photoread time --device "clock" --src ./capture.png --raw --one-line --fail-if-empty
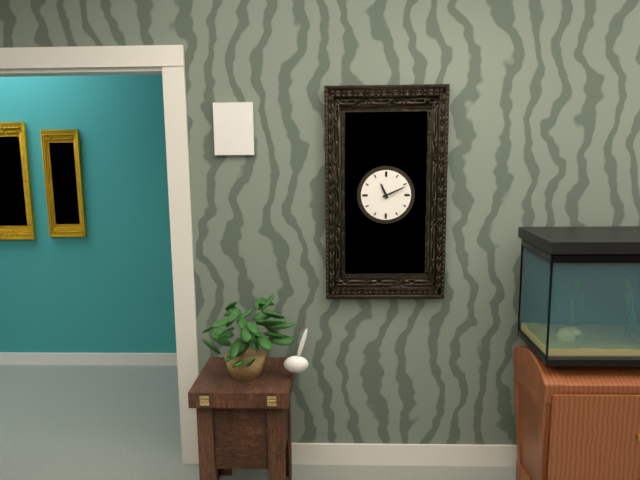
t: 11:11
